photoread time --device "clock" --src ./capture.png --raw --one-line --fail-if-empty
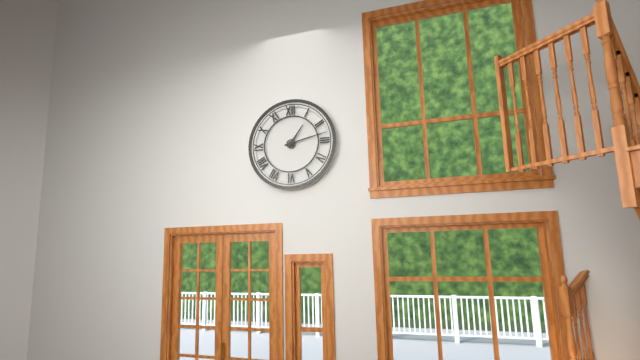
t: 1:13
